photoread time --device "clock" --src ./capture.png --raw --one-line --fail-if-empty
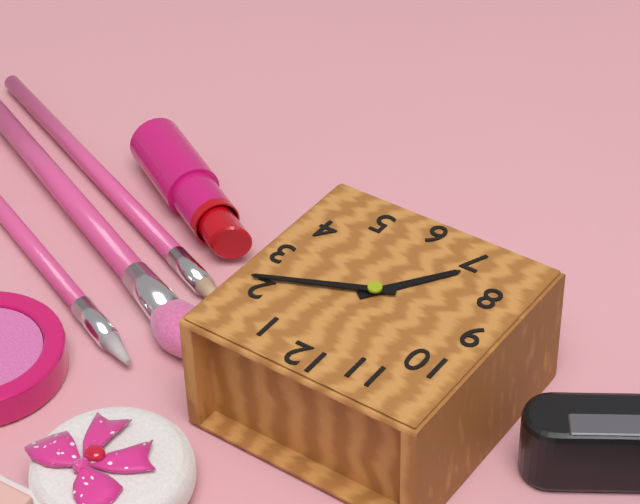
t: 7:11
